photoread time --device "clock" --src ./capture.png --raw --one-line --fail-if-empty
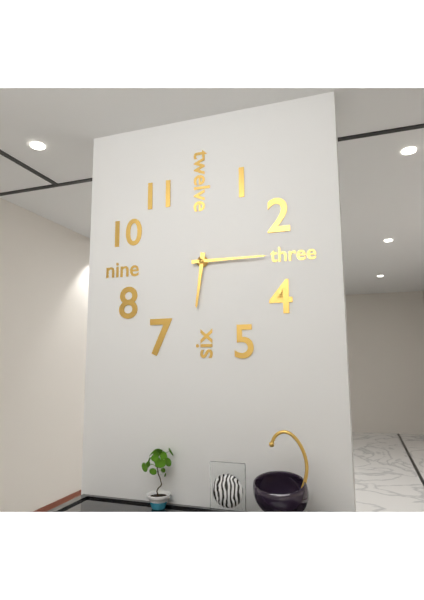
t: 6:15
